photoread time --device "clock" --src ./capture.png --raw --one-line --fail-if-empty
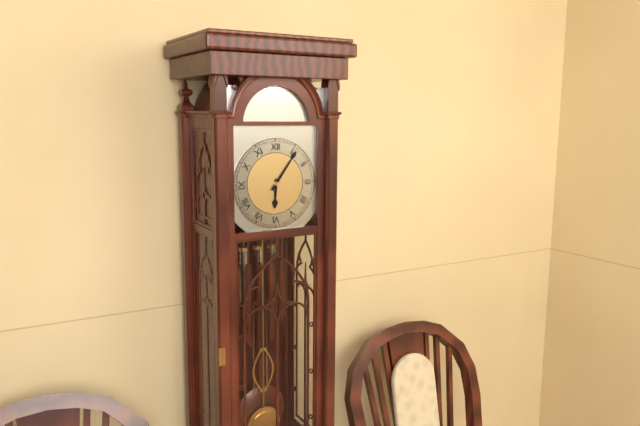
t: 6:06
